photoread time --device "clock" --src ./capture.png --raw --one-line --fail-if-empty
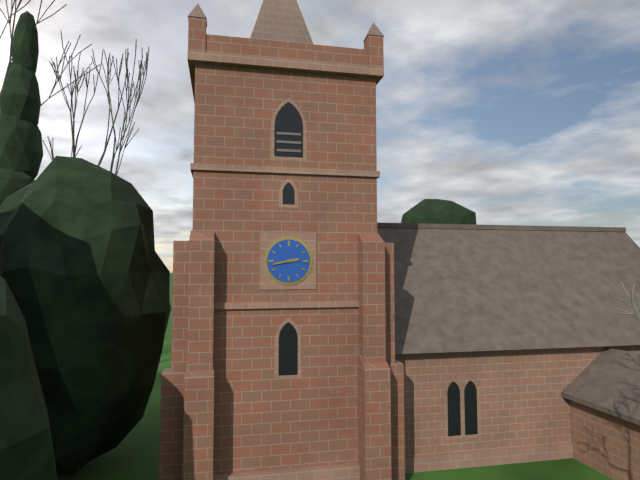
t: 2:43
